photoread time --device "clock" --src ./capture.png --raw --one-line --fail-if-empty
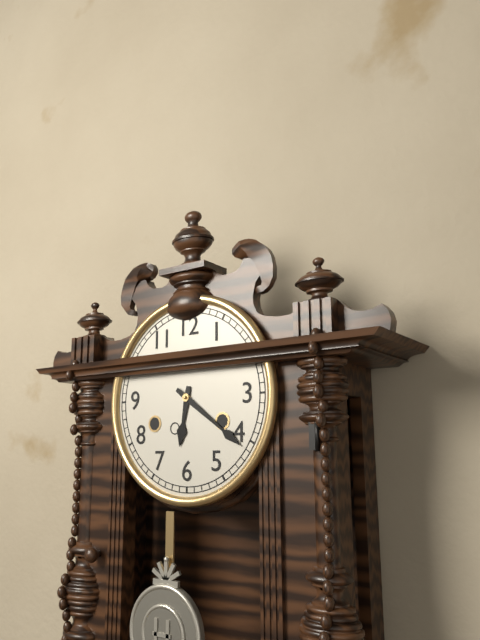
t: 6:21
